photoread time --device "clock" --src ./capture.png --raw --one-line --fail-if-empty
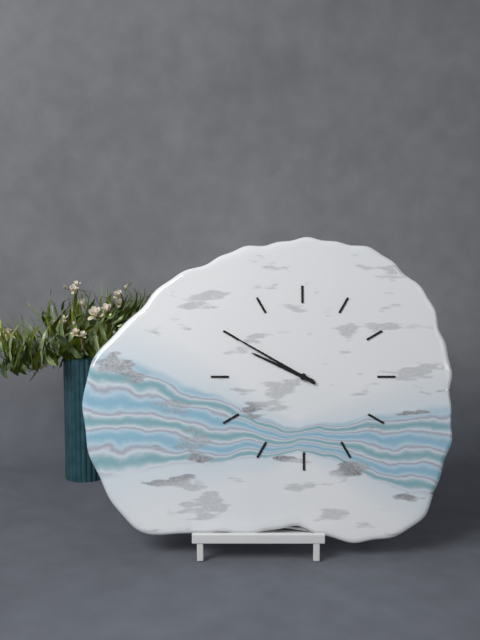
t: 9:50
